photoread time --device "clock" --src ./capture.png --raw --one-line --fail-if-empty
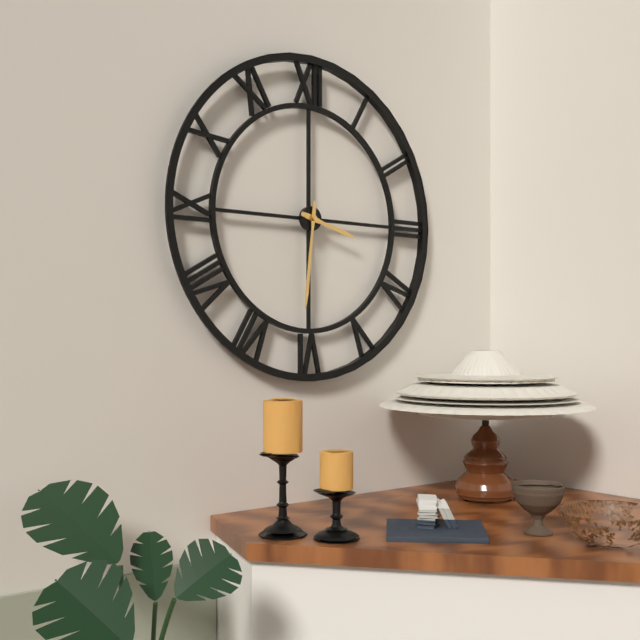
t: 3:31
